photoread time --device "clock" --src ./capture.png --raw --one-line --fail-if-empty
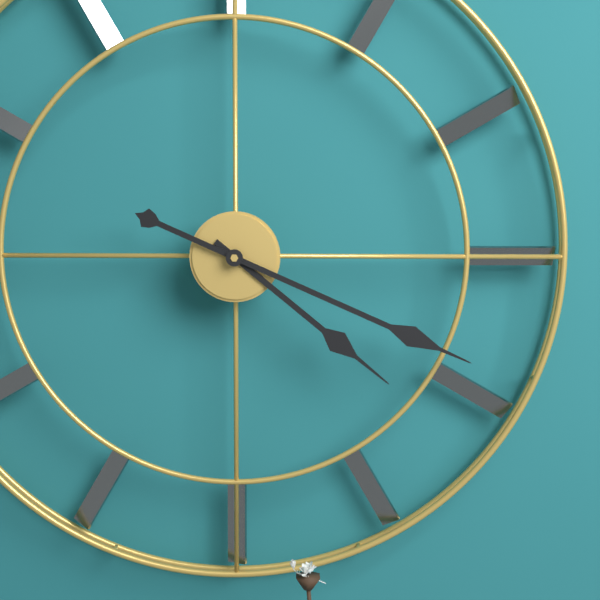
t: 4:19
